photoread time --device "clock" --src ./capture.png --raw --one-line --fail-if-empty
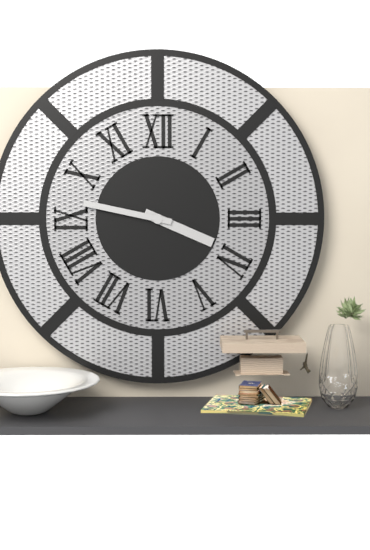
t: 3:47
